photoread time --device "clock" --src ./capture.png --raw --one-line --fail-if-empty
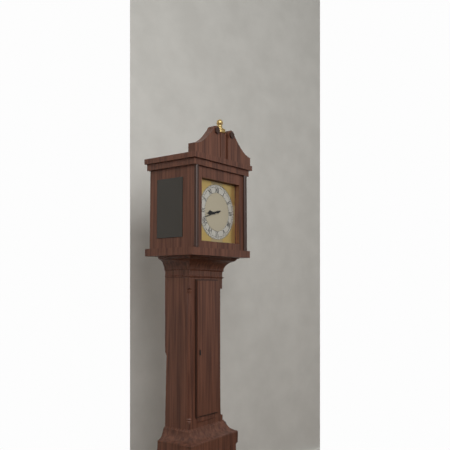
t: 8:42
